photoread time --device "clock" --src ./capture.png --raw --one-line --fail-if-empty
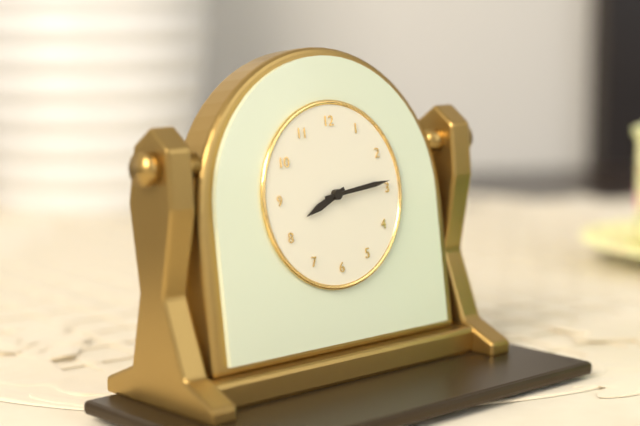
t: 8:14
